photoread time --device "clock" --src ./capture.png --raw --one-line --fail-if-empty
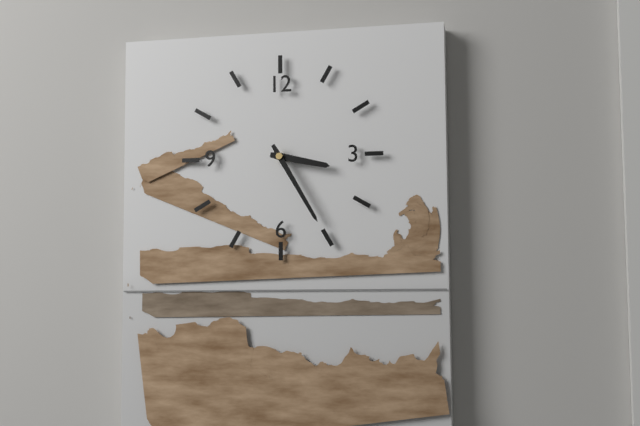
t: 3:25
